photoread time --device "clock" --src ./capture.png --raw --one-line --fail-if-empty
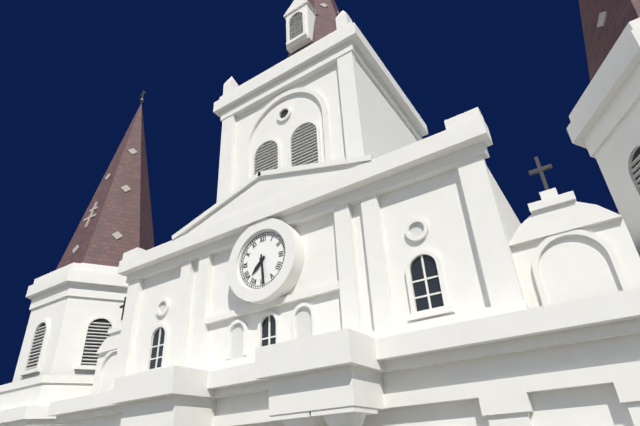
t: 7:29
